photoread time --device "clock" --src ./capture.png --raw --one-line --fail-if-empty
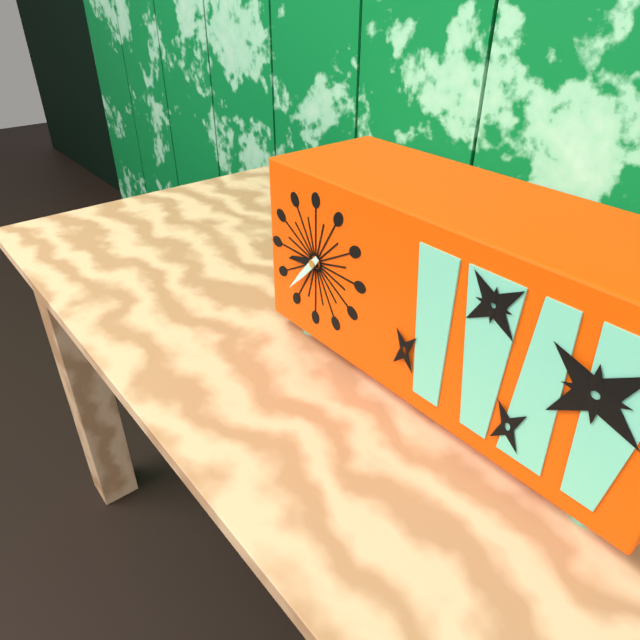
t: 8:37
